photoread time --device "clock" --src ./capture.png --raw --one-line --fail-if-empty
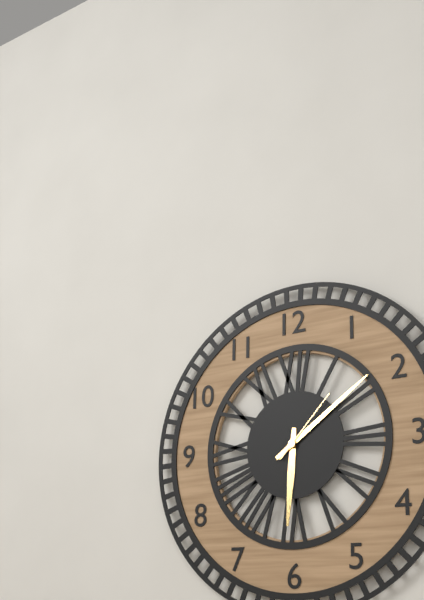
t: 6:09:07
